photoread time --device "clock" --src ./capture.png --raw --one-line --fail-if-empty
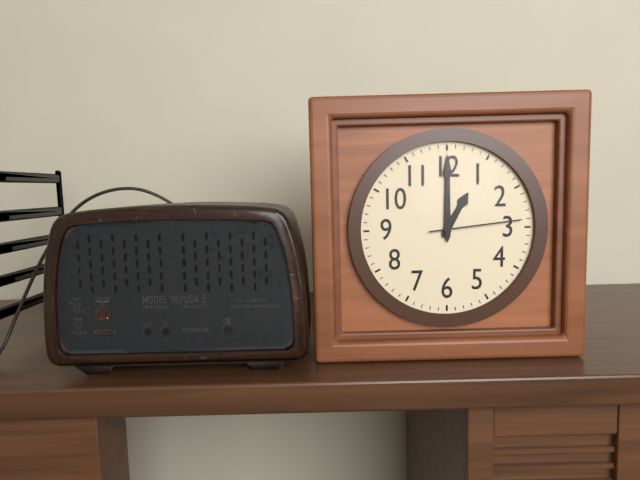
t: 1:00:14
